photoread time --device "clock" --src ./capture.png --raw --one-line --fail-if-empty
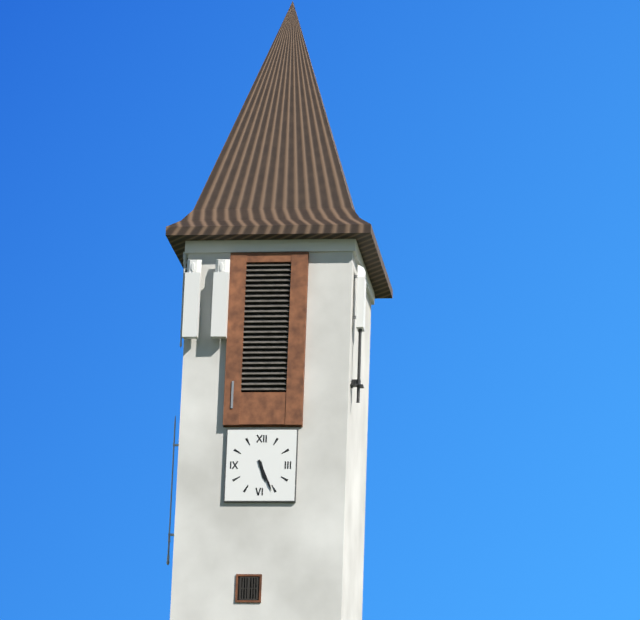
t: 5:26
